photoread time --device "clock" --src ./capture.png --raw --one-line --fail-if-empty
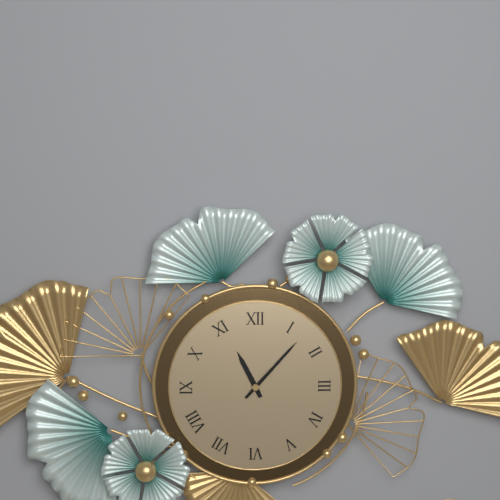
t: 11:07
